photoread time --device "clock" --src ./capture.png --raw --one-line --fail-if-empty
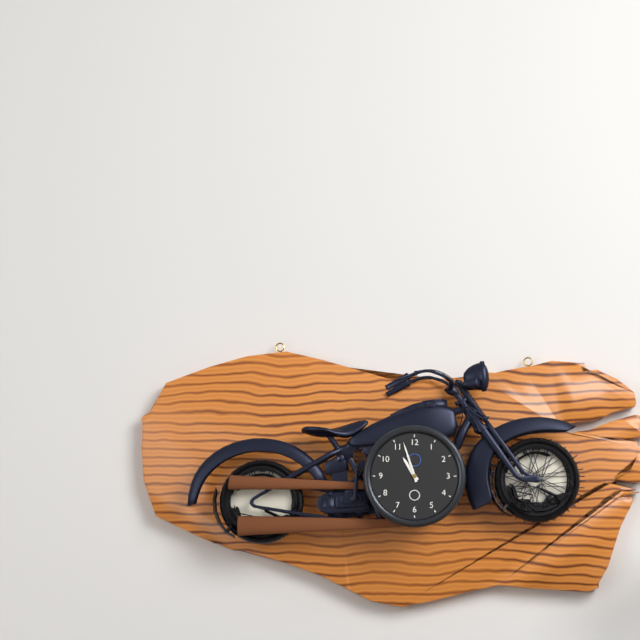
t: 10:57
